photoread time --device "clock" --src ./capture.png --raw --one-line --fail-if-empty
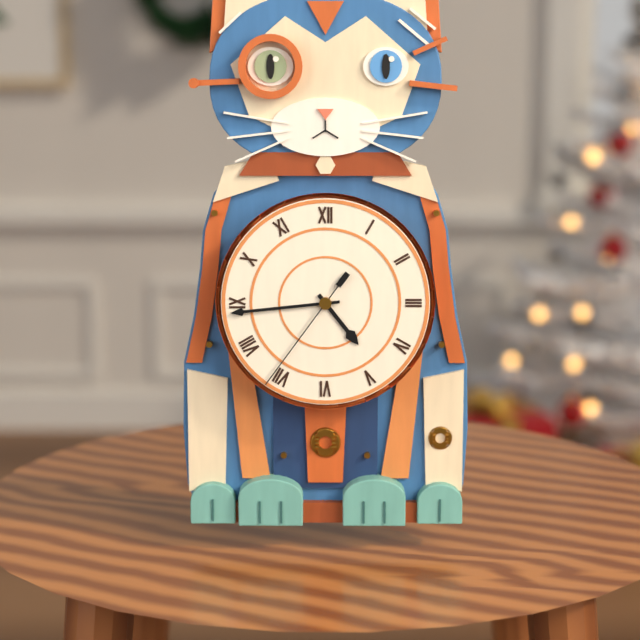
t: 4:44:36
